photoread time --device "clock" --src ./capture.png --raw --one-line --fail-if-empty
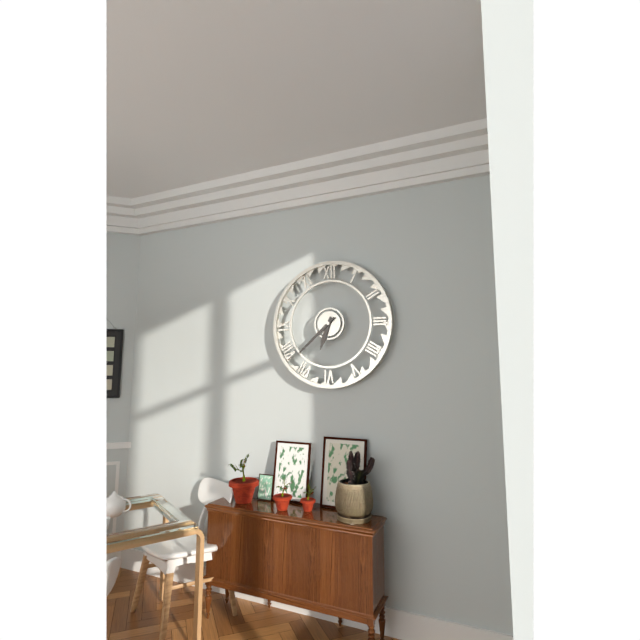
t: 6:38
